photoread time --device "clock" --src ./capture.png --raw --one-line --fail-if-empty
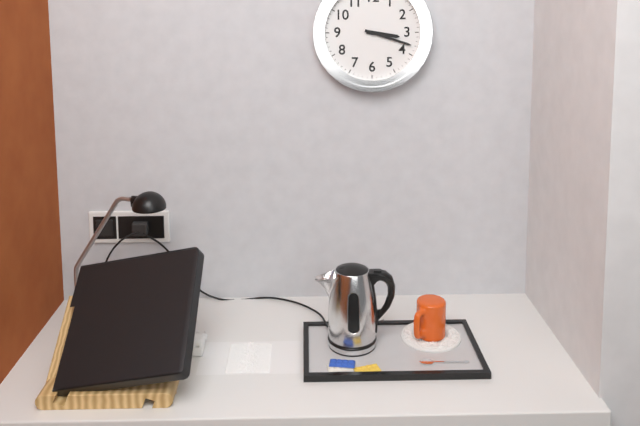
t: 3:18
